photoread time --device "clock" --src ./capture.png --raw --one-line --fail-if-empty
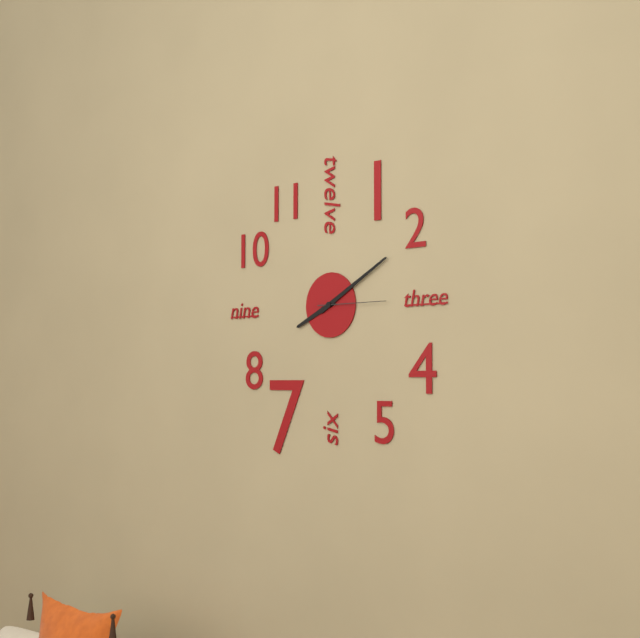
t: 8:10:15
